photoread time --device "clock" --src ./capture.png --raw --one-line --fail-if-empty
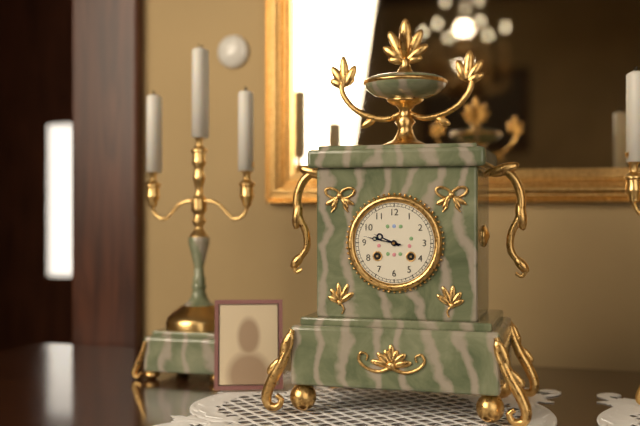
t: 9:47
